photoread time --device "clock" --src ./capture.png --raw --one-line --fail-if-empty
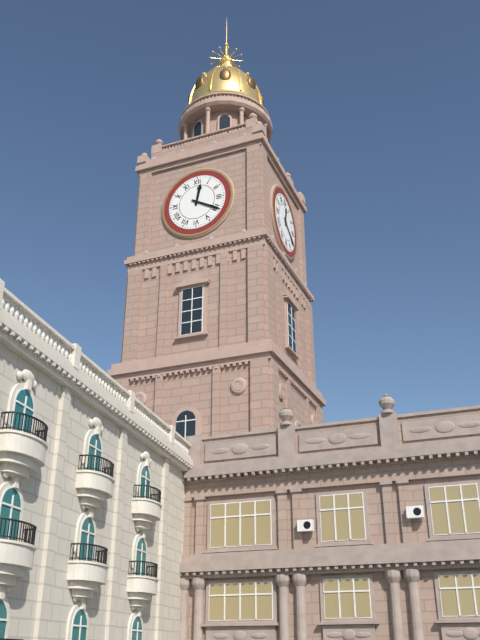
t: 12:20
